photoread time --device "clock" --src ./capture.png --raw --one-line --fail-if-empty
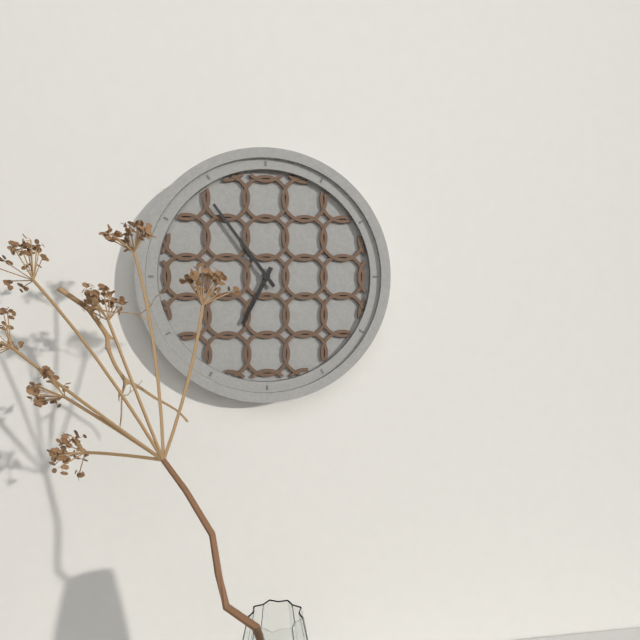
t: 6:54
